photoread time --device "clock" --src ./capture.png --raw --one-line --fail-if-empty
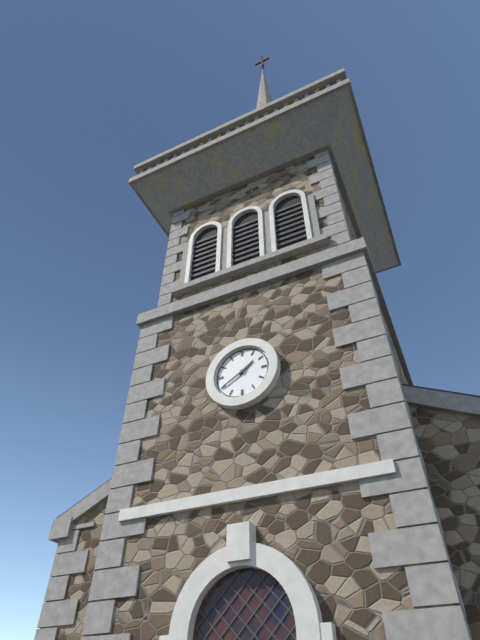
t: 1:40
